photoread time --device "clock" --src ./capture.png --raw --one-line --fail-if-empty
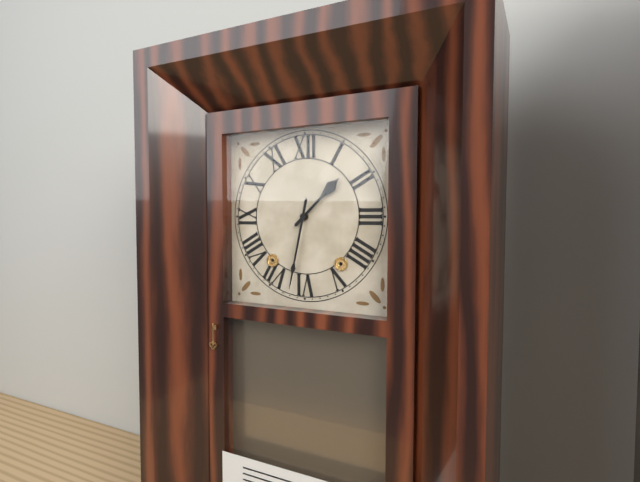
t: 1:32
